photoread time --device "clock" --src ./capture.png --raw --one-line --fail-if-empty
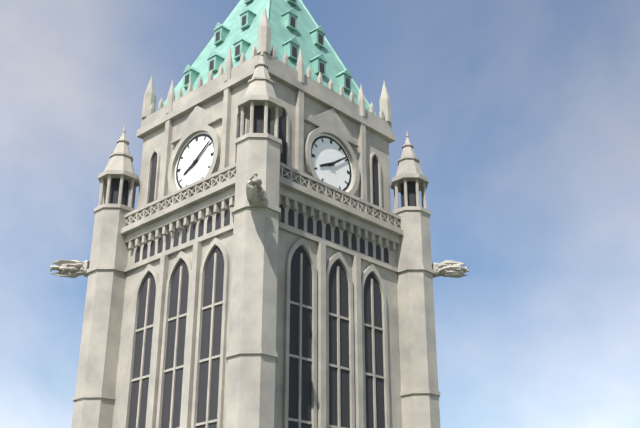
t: 8:09
